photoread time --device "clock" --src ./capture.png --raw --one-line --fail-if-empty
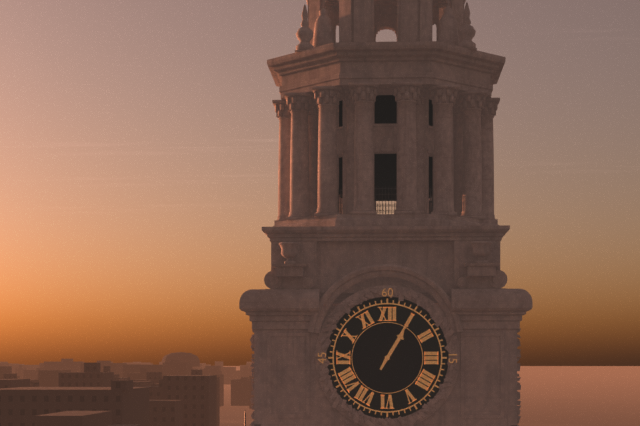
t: 1:05
